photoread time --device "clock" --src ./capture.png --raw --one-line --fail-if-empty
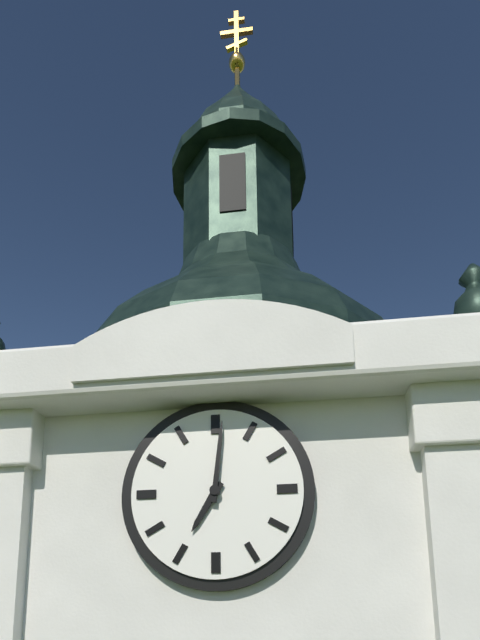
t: 7:01
